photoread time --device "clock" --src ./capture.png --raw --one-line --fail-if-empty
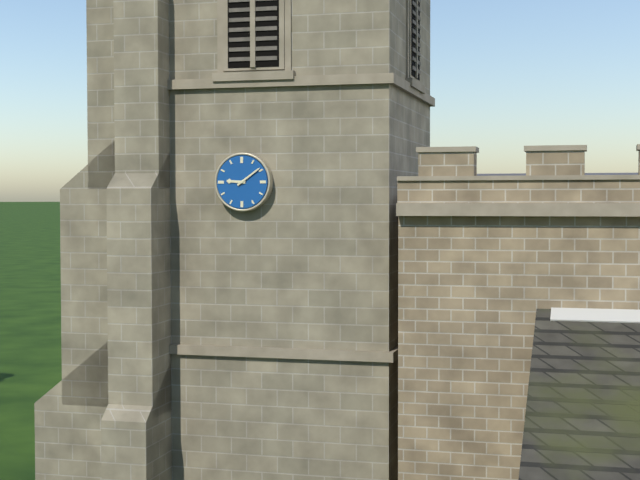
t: 9:09
